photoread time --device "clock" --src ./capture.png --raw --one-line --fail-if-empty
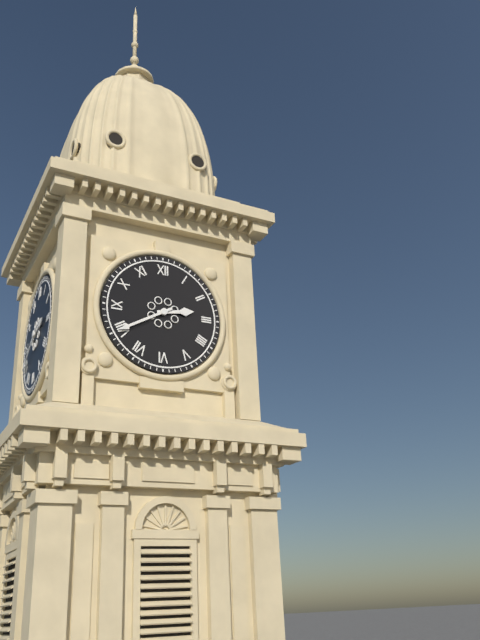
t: 2:40
